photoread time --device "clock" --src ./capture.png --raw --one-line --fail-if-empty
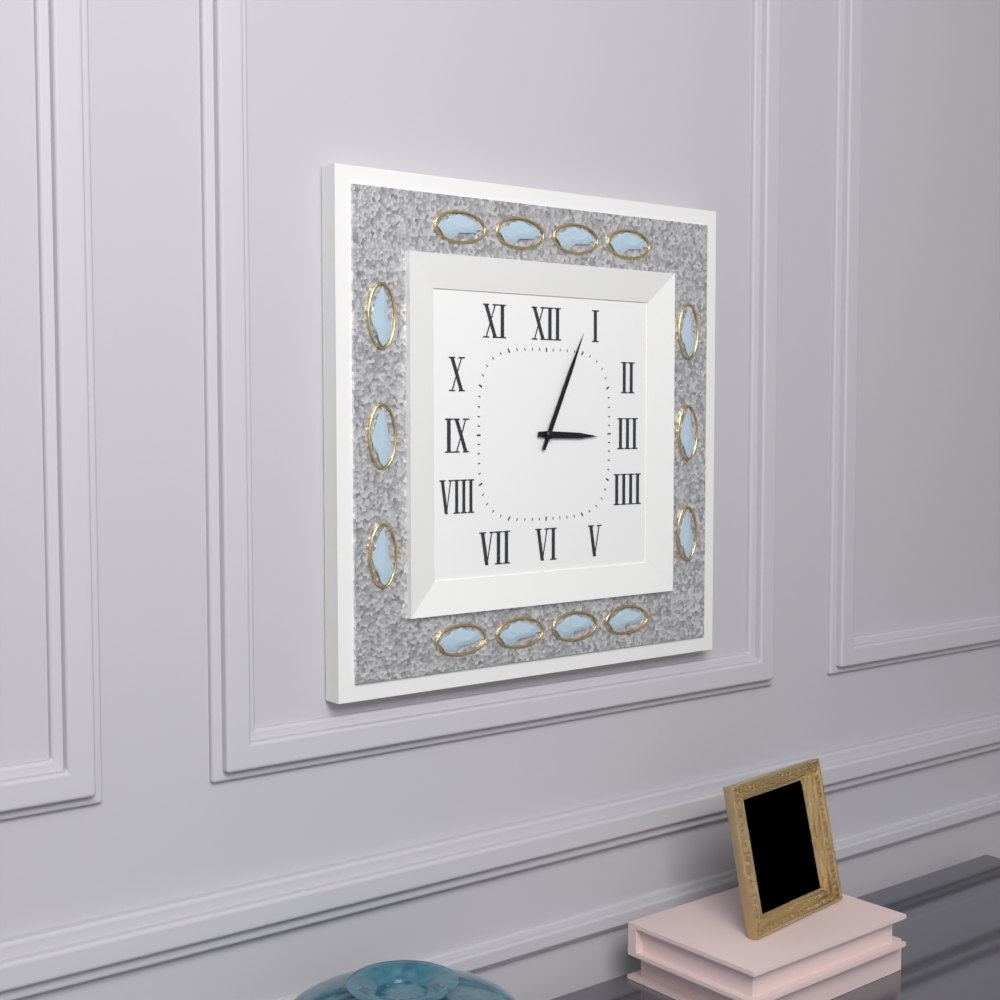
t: 3:04
